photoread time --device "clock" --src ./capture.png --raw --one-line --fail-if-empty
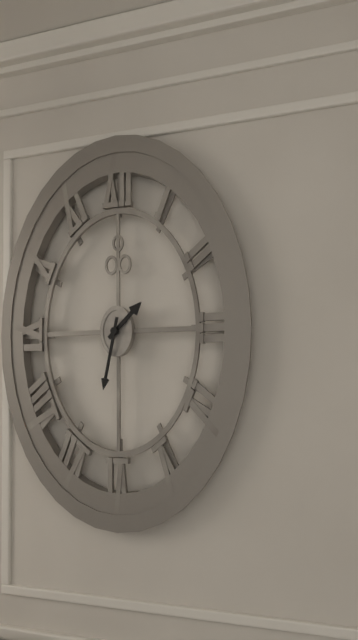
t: 1:32
